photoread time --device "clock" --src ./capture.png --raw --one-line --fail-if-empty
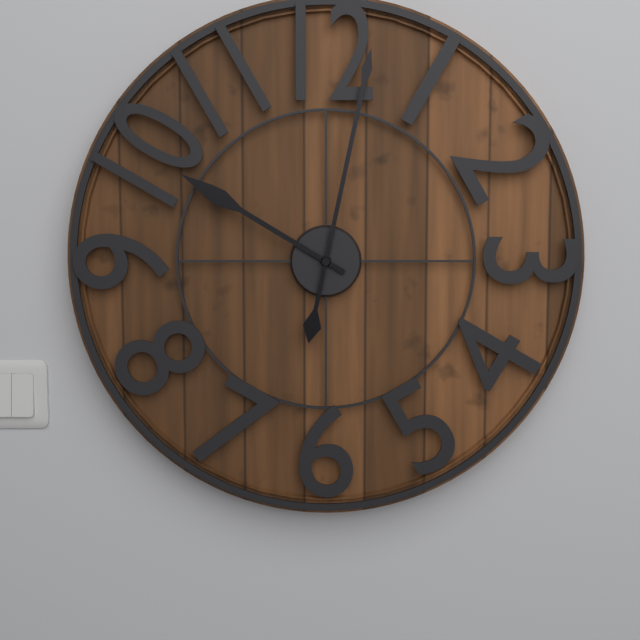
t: 10:02
